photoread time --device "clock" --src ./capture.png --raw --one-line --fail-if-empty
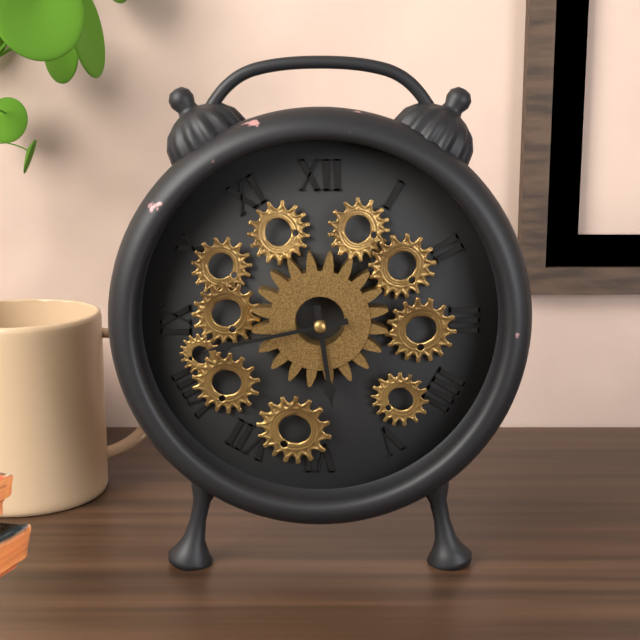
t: 5:43
